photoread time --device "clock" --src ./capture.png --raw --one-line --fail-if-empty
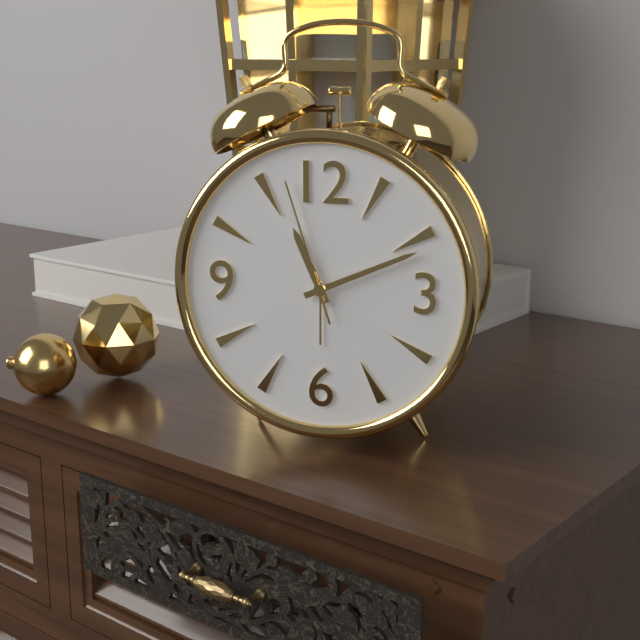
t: 11:11:57
